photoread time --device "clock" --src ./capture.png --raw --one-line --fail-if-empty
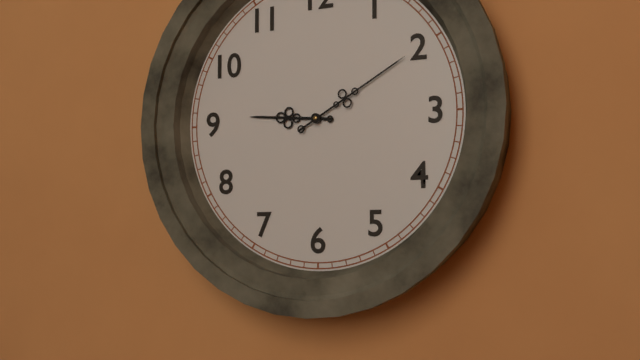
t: 9:10
